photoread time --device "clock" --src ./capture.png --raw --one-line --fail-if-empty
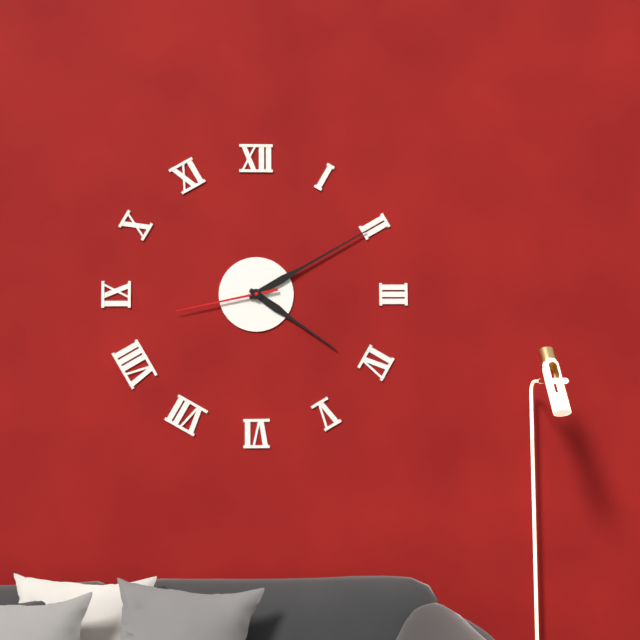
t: 4:10:43
